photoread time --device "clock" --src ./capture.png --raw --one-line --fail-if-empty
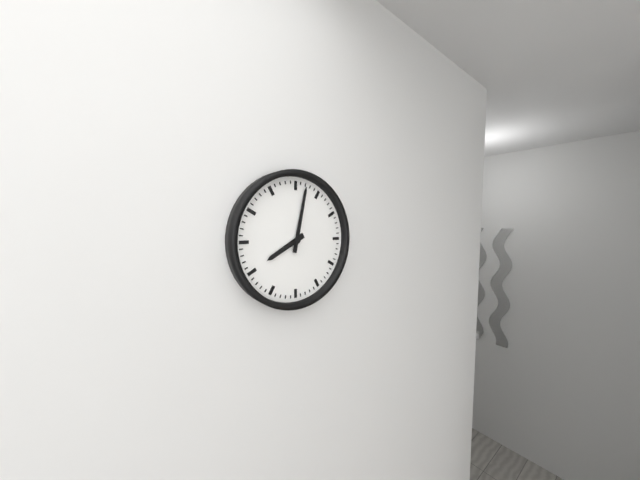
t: 8:02
